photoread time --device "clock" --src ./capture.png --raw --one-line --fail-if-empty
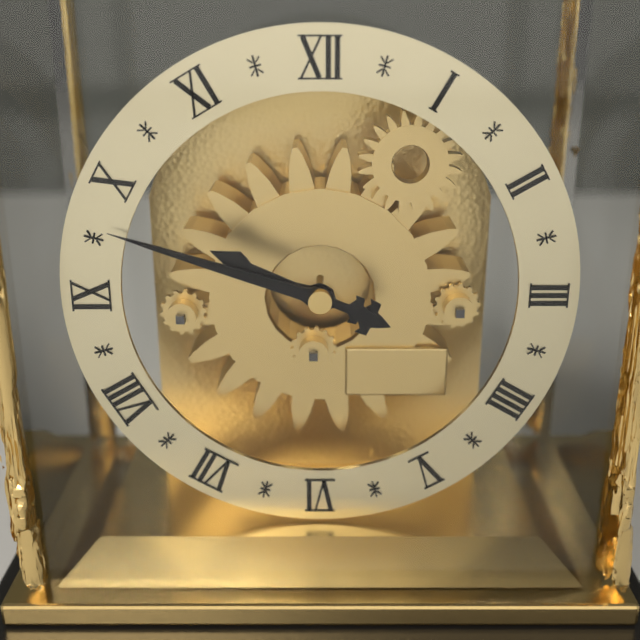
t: 9:48
